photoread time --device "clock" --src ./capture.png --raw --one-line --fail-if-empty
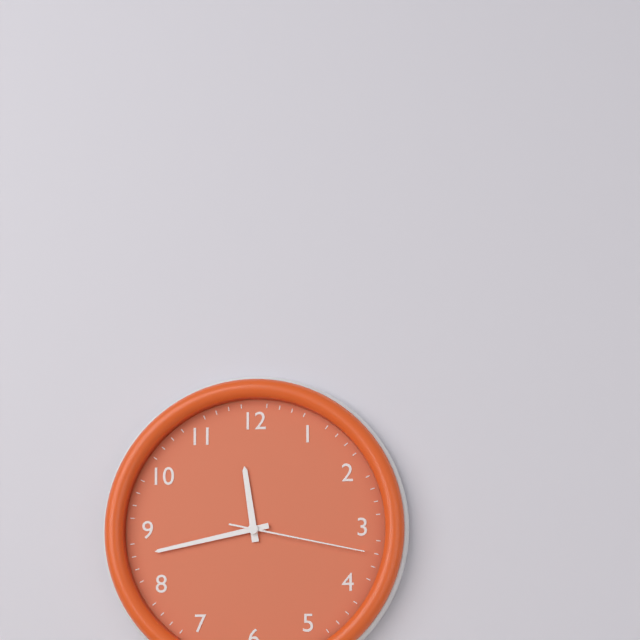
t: 11:43:17
